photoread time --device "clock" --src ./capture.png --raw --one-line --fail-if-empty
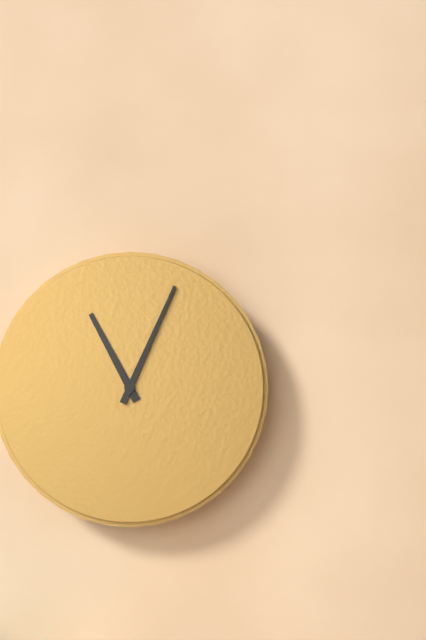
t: 11:04
